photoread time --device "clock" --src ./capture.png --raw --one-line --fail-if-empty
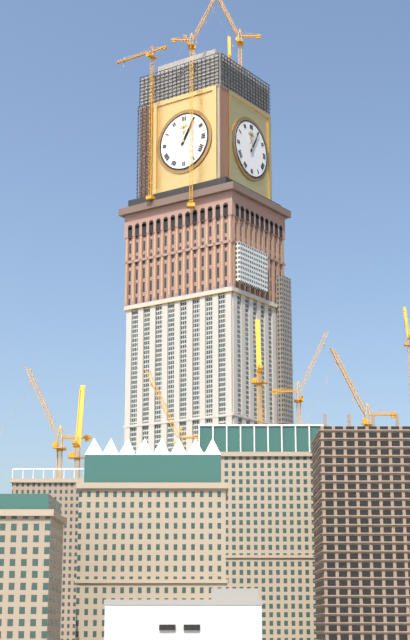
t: 1:05
